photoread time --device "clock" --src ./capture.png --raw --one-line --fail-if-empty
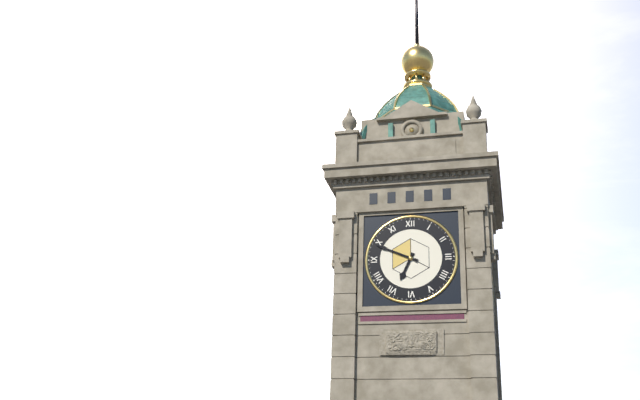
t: 6:49
